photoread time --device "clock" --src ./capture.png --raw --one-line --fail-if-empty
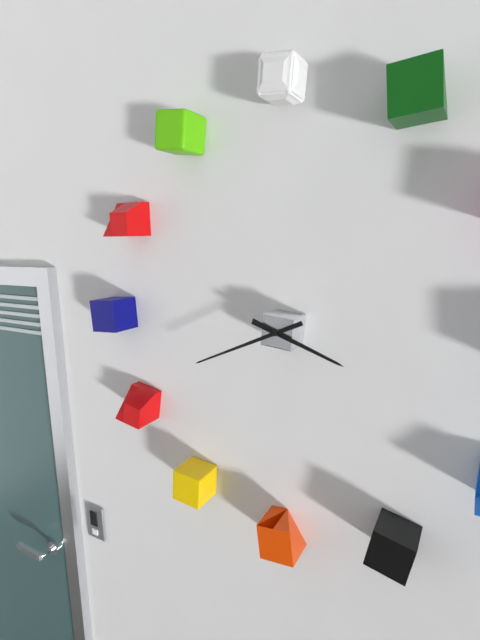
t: 3:41
